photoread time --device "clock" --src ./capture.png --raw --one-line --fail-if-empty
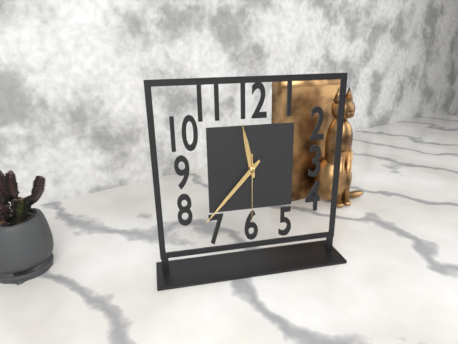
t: 11:37:30
